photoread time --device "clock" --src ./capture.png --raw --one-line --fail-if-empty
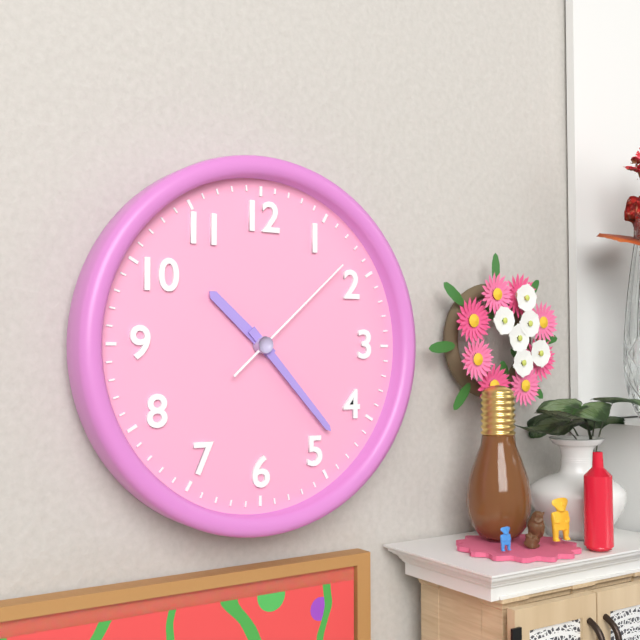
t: 10:23:08
